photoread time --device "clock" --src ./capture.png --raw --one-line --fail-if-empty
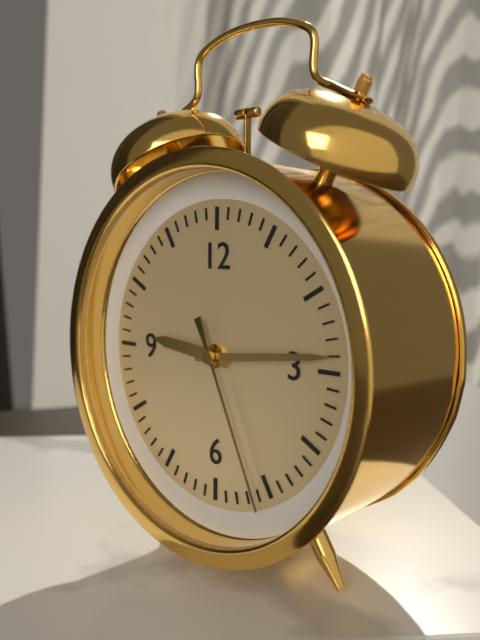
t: 9:14:26
